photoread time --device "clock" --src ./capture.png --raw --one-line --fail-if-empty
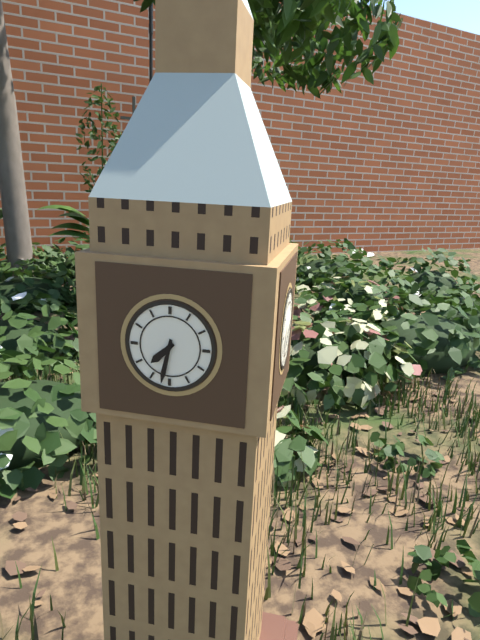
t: 7:32
